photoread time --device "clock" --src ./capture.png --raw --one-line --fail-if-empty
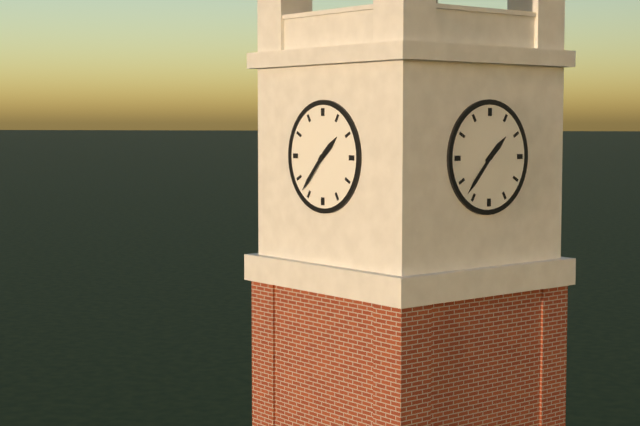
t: 1:37
